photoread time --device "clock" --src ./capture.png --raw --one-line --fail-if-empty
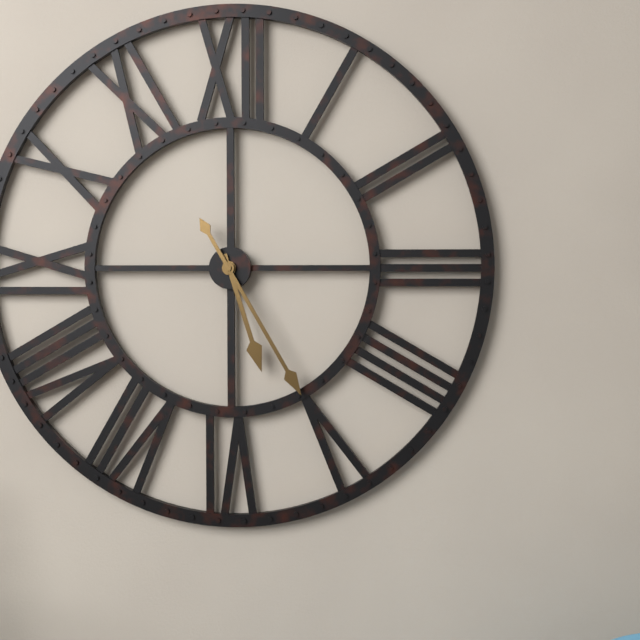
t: 5:25
